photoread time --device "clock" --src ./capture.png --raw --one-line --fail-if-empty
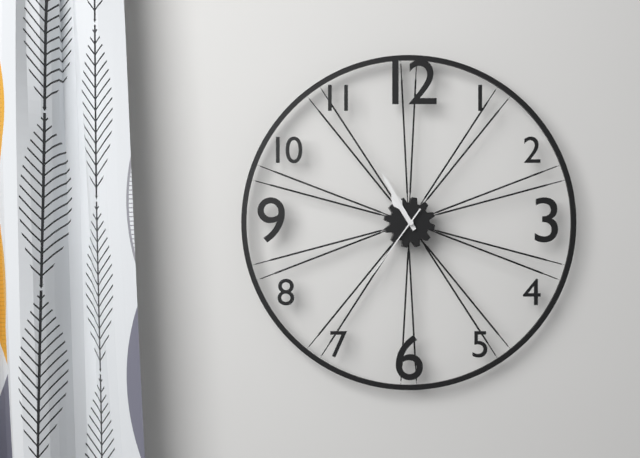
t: 10:55:36
